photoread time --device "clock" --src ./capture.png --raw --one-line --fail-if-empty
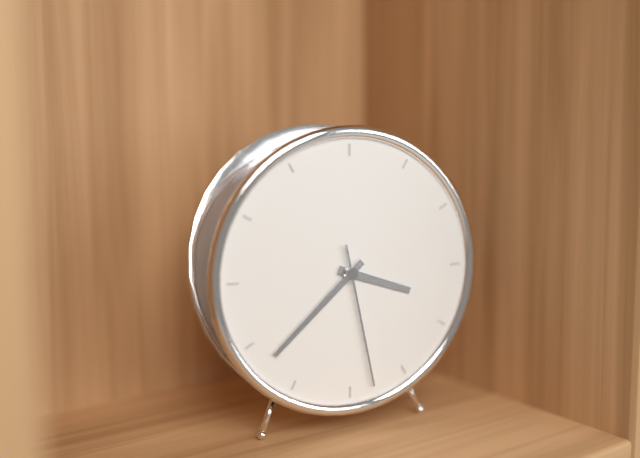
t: 3:38:28
